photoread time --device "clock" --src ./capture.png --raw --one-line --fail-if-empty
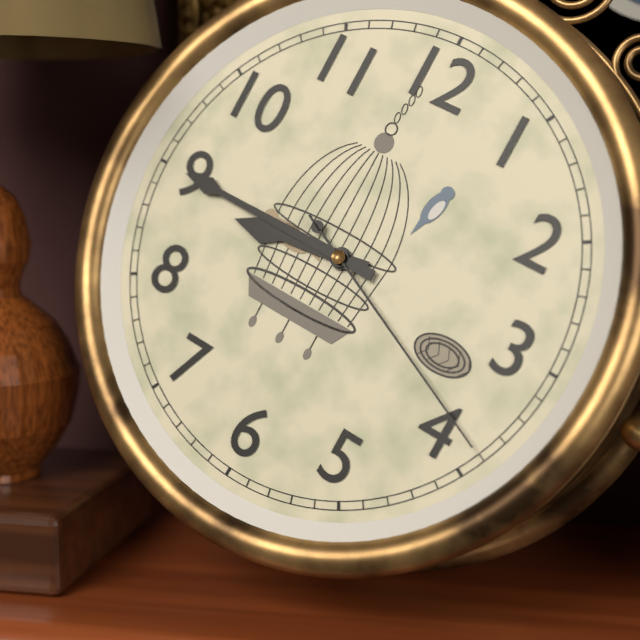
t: 8:45:19
